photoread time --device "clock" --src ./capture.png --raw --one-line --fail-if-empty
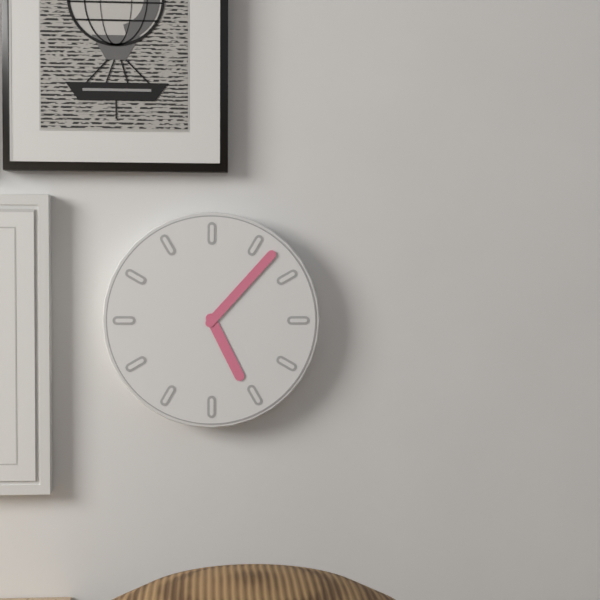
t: 5:07
